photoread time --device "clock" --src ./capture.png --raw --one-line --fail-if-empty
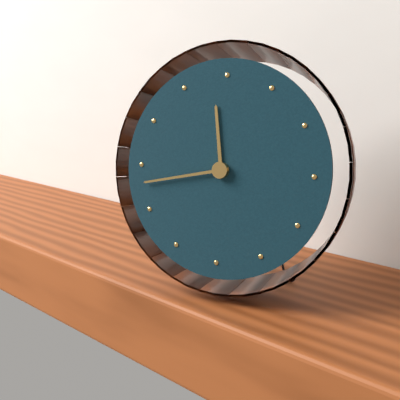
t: 11:43
